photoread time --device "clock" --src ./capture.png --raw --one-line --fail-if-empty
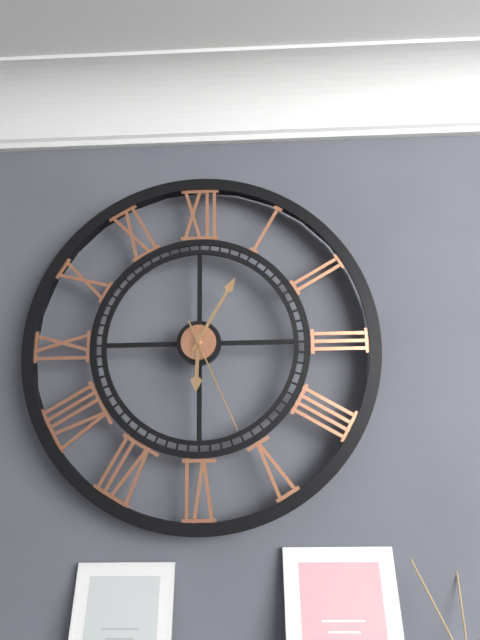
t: 6:05:26
